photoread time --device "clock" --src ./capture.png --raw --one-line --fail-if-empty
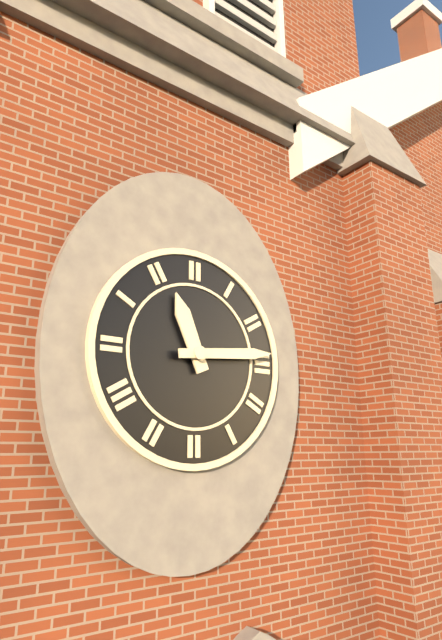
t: 11:14
